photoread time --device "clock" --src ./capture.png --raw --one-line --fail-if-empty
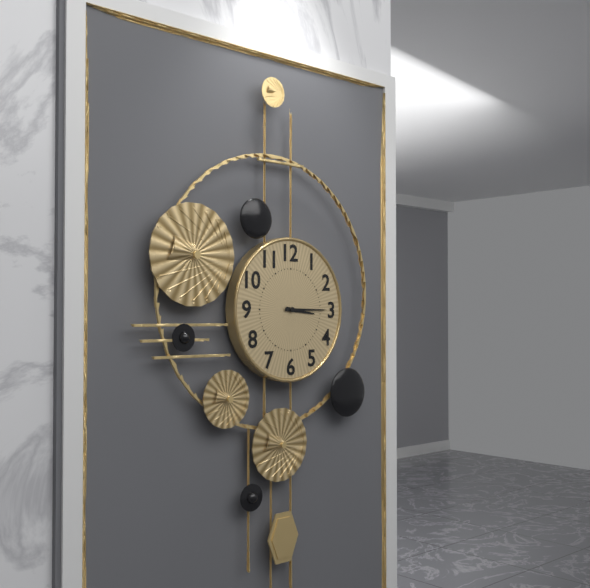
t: 3:15
